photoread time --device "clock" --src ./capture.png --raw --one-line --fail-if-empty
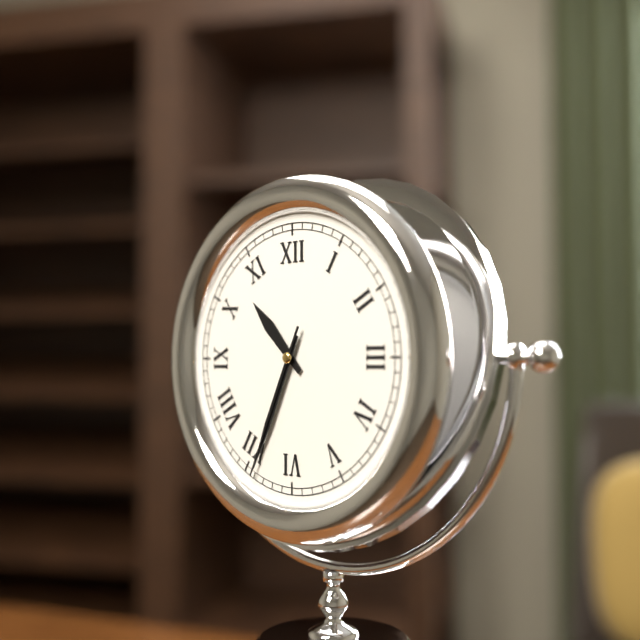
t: 10:34:34
